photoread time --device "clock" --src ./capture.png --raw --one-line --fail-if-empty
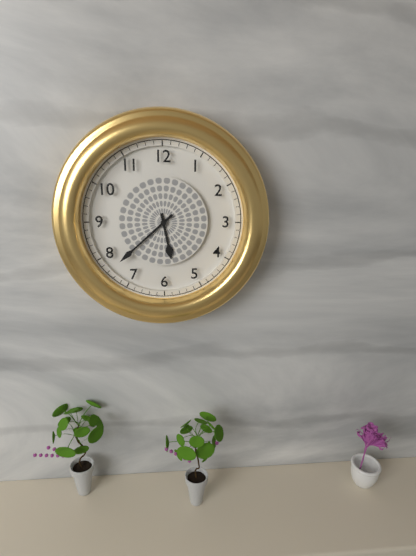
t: 5:38
